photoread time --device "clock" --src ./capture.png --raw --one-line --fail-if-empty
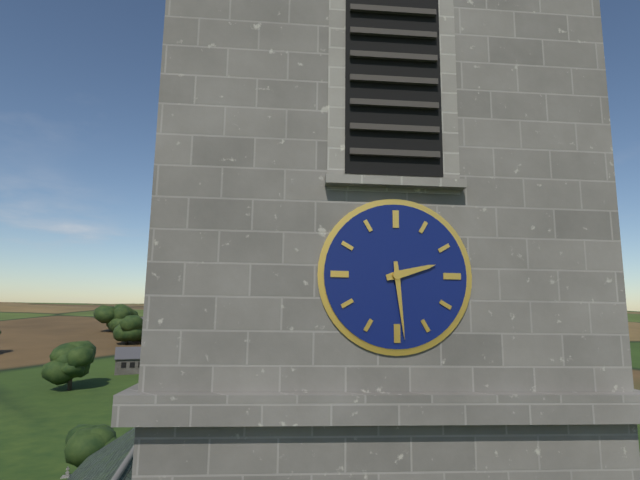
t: 2:29
